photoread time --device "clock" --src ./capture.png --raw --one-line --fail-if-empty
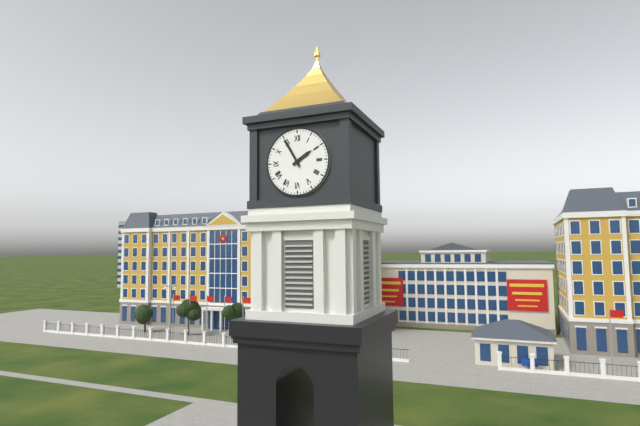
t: 1:55
